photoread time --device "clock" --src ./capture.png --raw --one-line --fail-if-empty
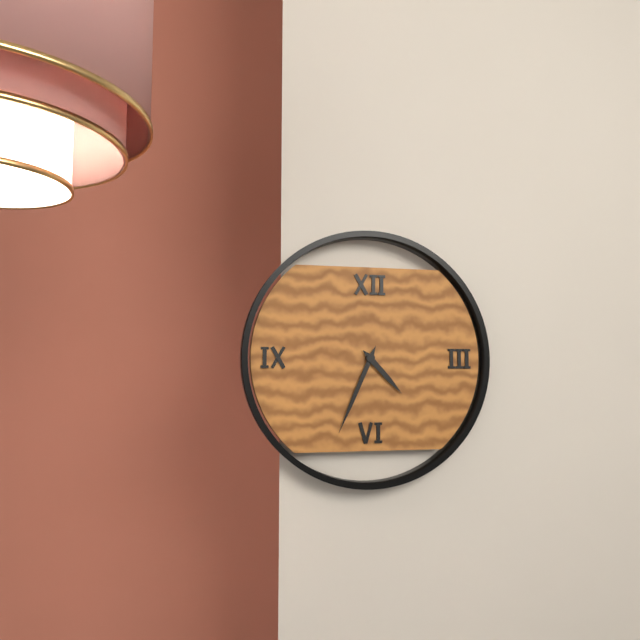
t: 4:34
